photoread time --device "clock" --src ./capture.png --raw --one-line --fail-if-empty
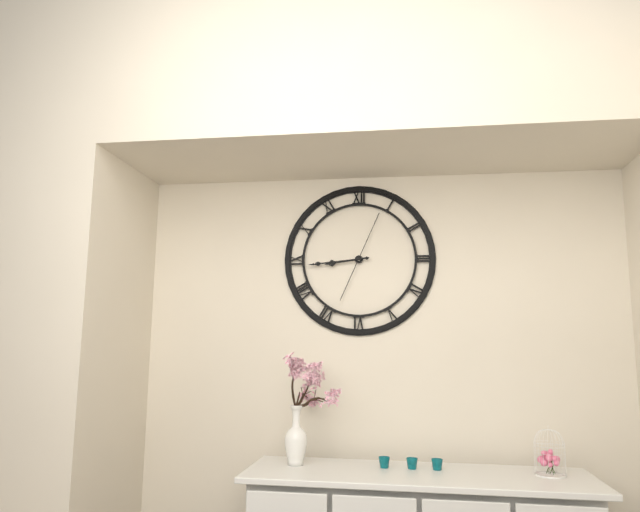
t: 8:44:04
